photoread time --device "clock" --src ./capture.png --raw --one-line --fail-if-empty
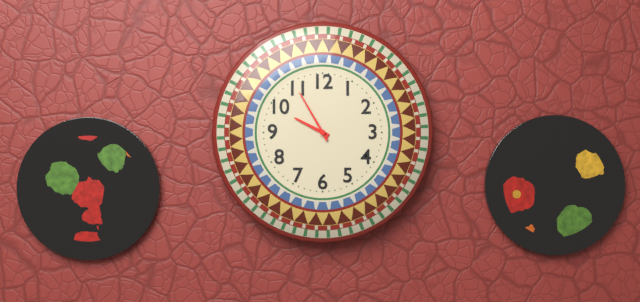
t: 9:55
